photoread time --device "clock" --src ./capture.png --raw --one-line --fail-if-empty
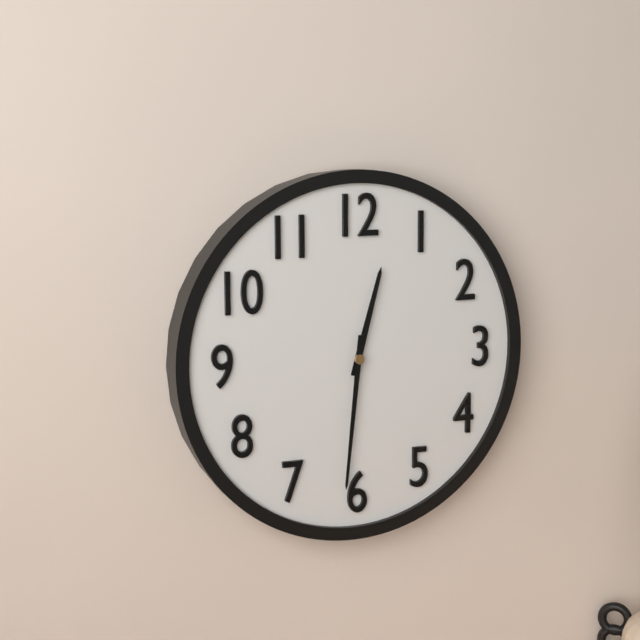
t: 12:31
